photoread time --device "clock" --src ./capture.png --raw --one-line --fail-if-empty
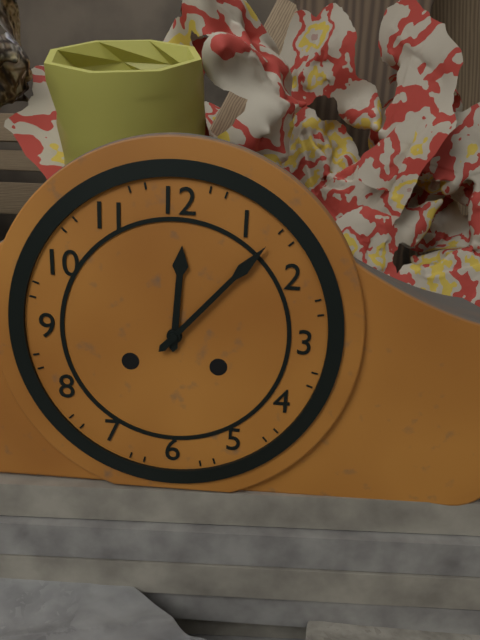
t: 12:07
